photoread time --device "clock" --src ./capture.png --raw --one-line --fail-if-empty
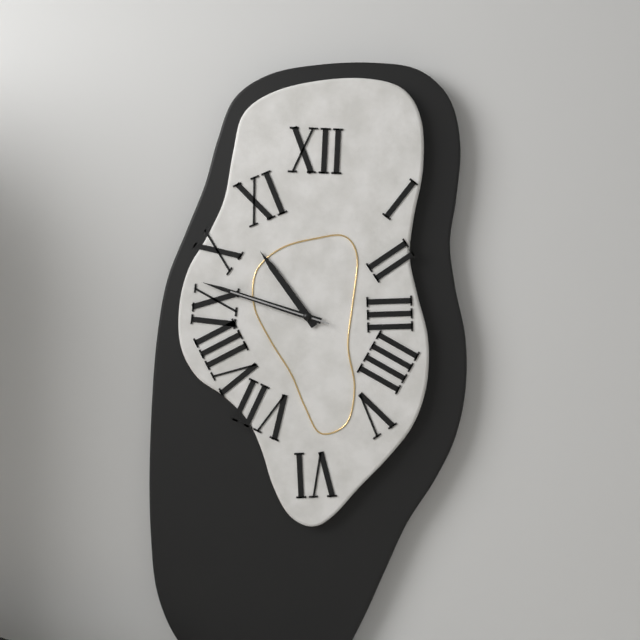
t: 10:48:48
